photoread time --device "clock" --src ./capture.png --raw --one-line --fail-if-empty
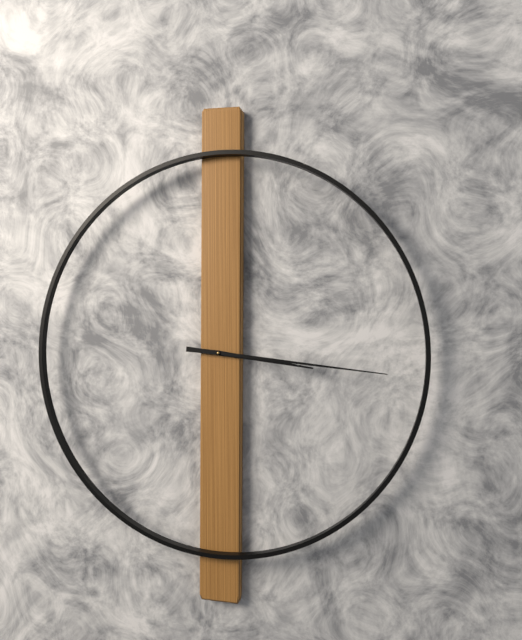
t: 3:16
